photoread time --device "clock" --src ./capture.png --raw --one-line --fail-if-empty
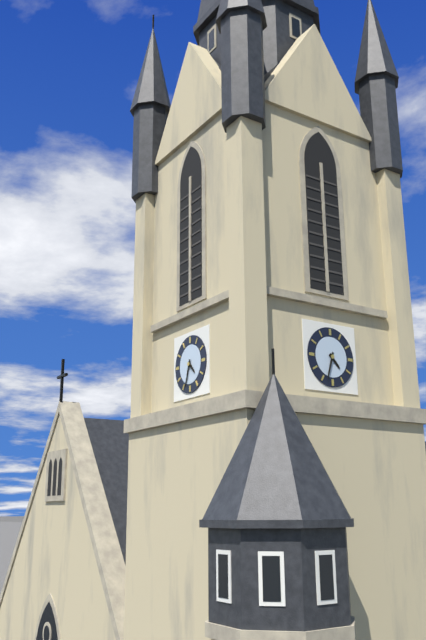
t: 4:33
